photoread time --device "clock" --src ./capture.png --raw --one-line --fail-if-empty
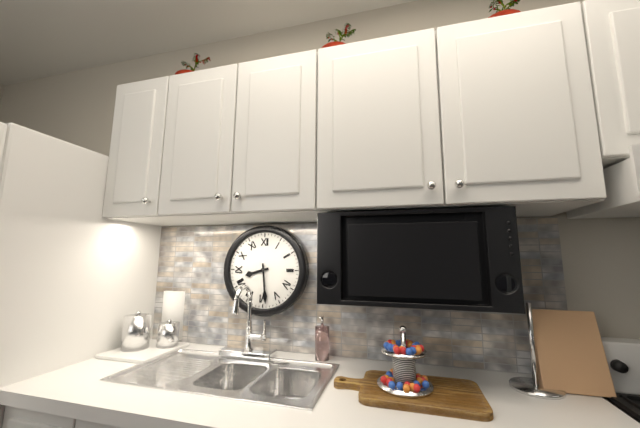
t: 8:29
